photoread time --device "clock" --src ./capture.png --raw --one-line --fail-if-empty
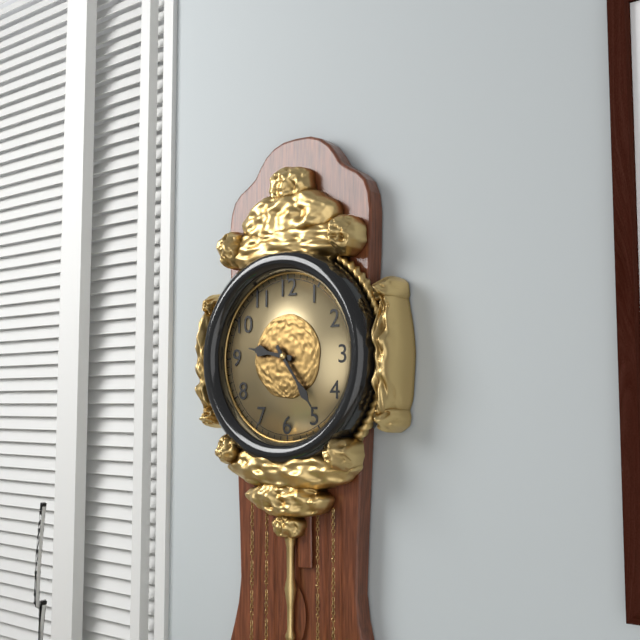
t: 9:24
